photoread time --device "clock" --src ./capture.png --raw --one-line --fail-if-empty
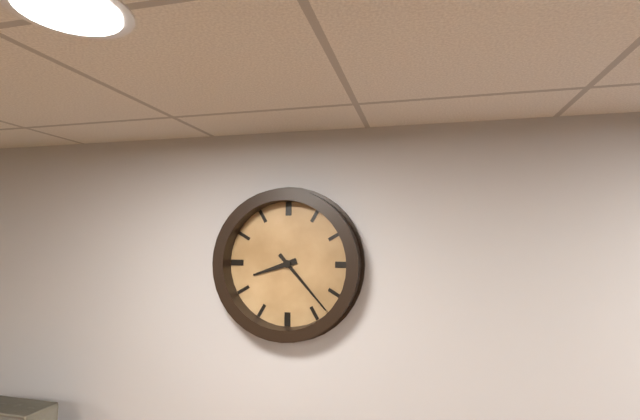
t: 8:23
